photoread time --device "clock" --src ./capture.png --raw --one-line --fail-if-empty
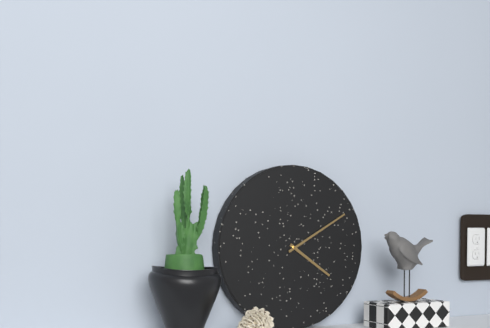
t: 4:10
